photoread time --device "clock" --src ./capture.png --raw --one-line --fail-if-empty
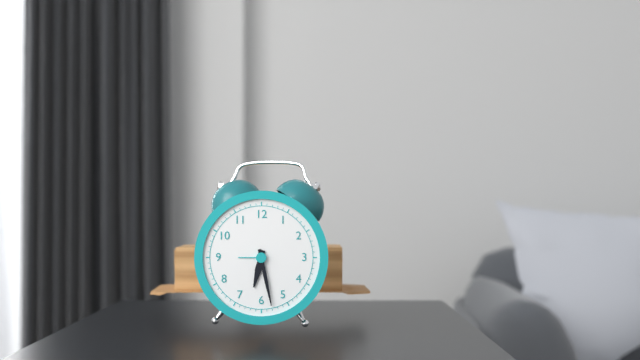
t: 6:28
